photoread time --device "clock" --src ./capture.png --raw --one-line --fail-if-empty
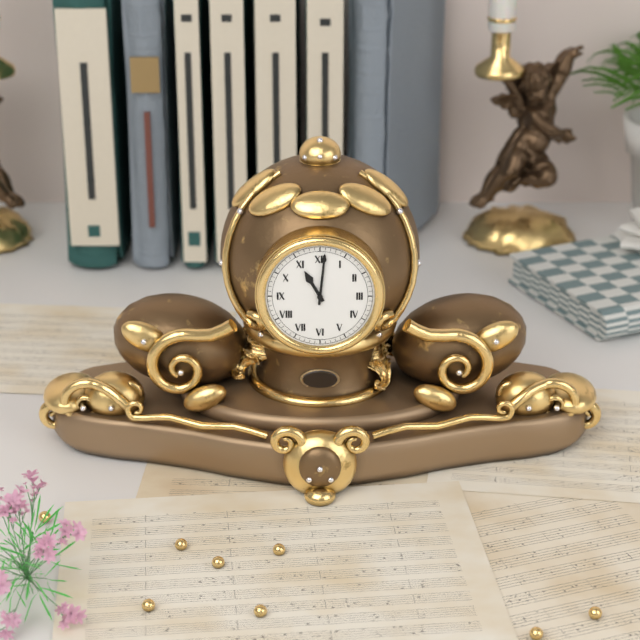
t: 11:01
